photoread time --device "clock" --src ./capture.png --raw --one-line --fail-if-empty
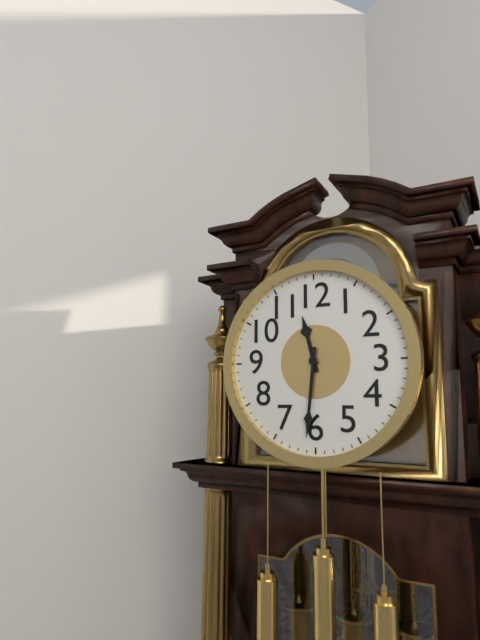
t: 11:31
